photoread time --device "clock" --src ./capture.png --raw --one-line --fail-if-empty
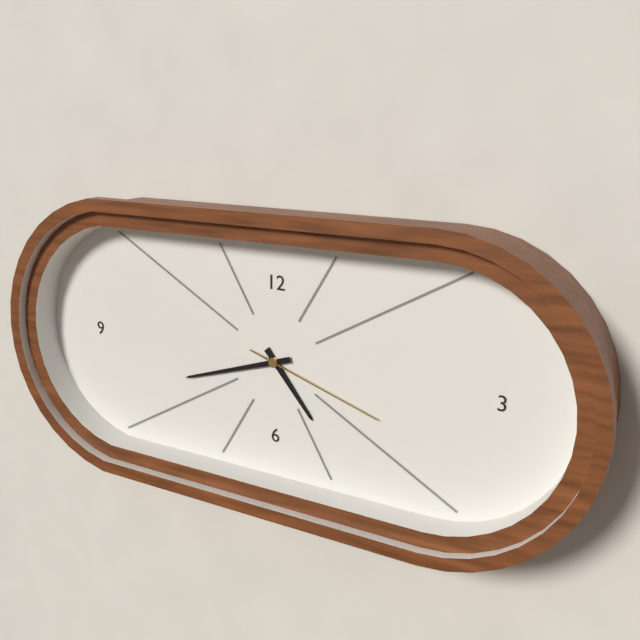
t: 4:42:18
